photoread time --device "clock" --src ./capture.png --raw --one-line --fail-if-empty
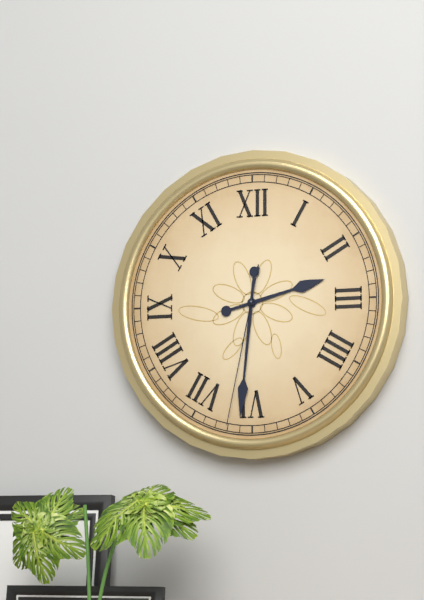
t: 2:31:32
